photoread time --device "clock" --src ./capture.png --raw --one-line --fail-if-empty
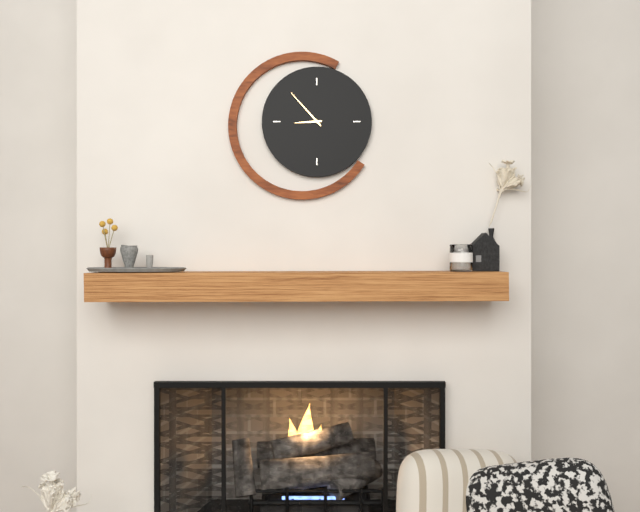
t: 8:53
